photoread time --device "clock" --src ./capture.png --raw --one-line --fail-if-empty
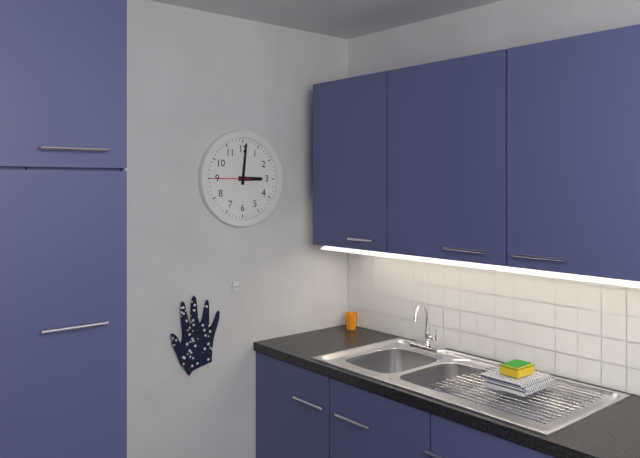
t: 3:01
